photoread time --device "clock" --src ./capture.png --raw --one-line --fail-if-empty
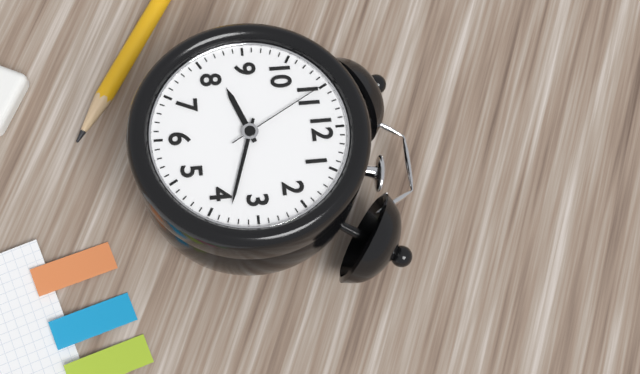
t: 8:18:55
